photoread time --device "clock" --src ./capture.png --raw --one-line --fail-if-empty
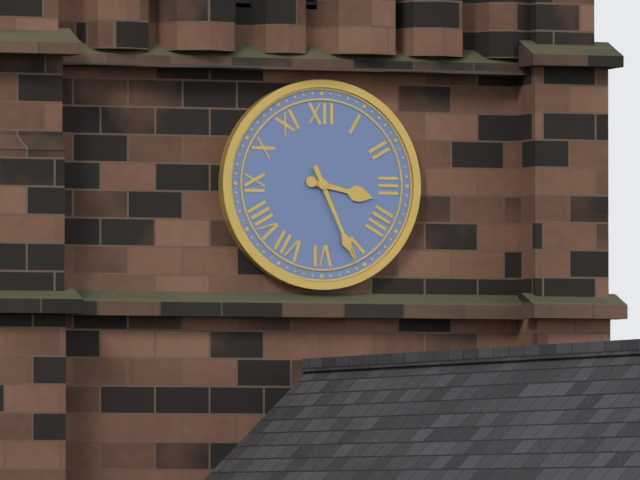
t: 3:26
